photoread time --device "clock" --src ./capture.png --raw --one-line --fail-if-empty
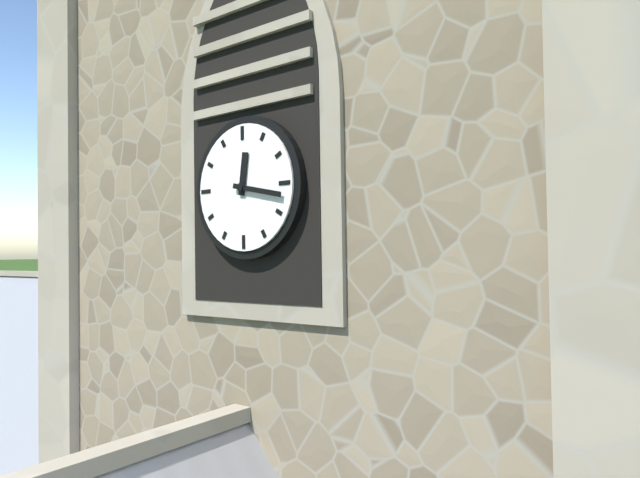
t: 12:17
